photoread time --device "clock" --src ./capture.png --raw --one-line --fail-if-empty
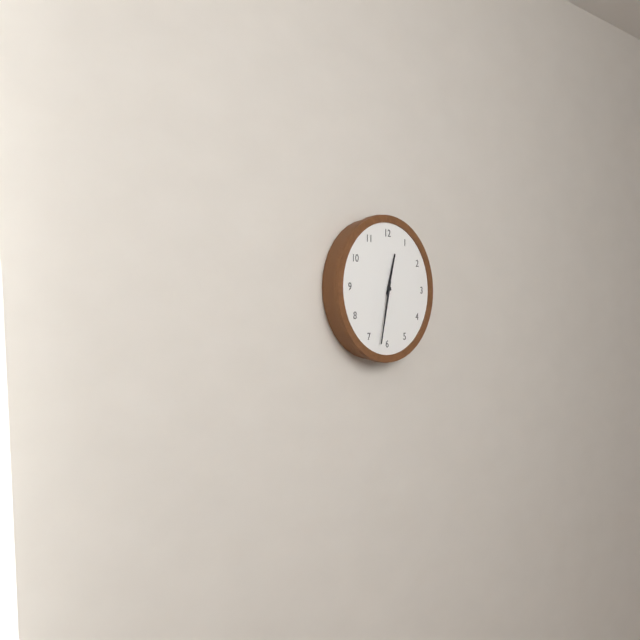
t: 12:32
